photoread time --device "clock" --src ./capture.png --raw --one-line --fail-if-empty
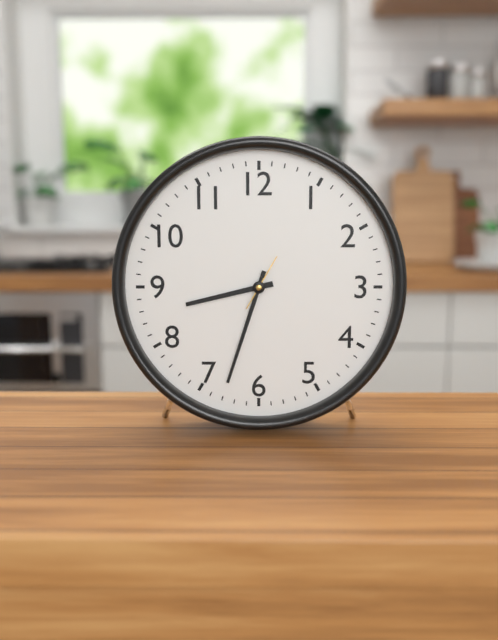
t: 8:33
